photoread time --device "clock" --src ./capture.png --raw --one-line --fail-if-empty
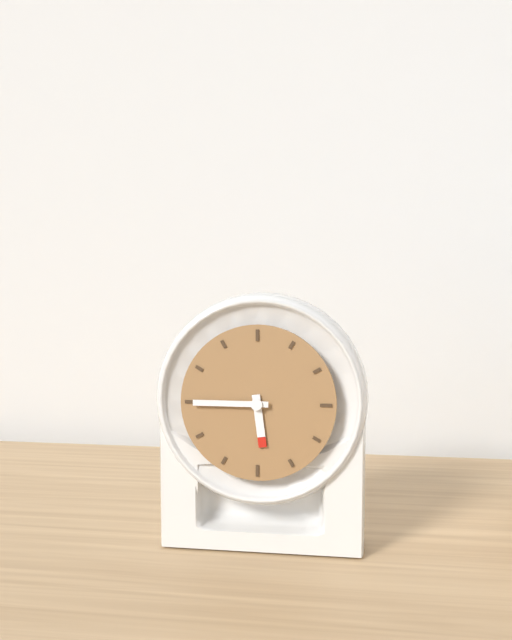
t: 5:45
